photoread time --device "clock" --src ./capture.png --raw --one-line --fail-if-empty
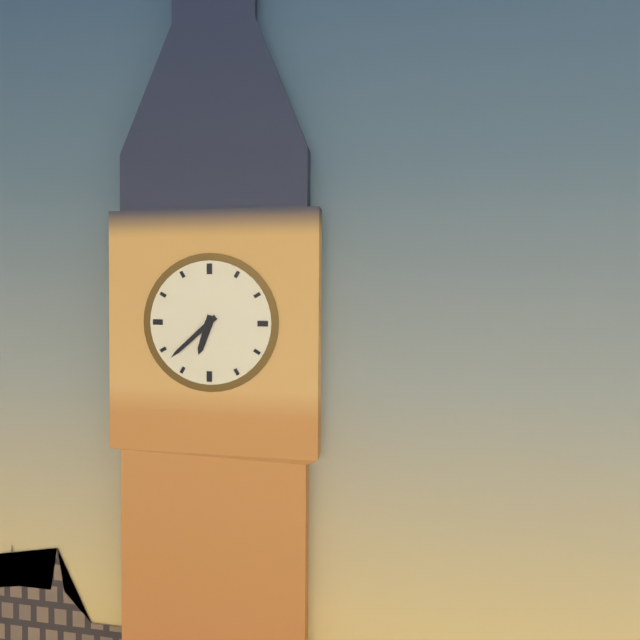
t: 6:38
